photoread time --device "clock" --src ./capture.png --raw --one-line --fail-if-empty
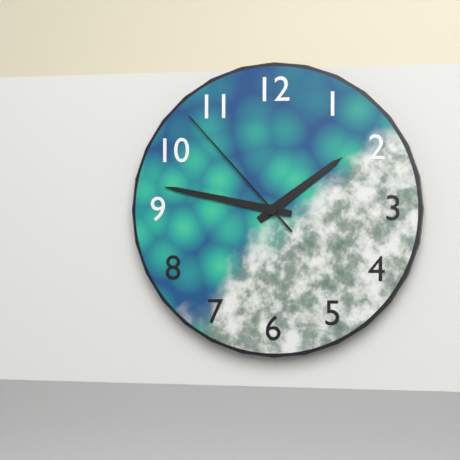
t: 1:47:53
